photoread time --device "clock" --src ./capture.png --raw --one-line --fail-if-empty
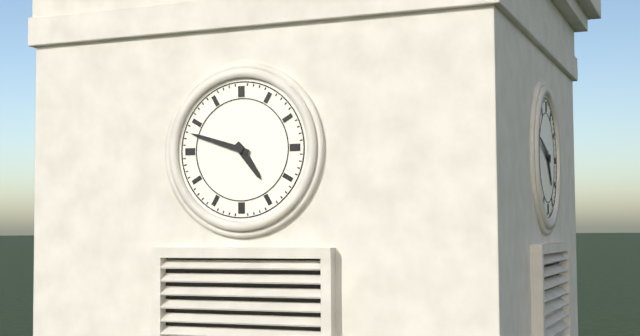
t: 4:48
